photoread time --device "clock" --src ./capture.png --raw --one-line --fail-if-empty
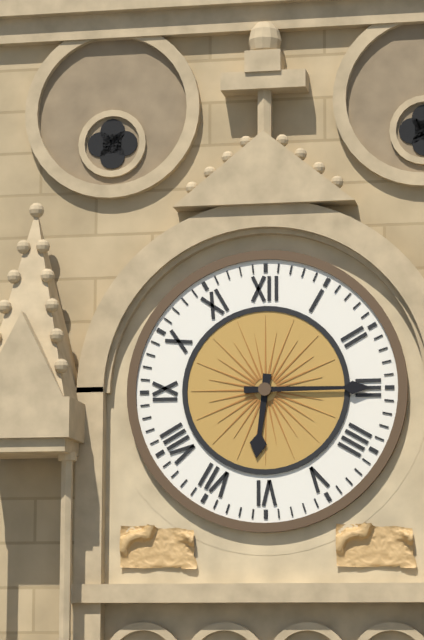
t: 6:15
